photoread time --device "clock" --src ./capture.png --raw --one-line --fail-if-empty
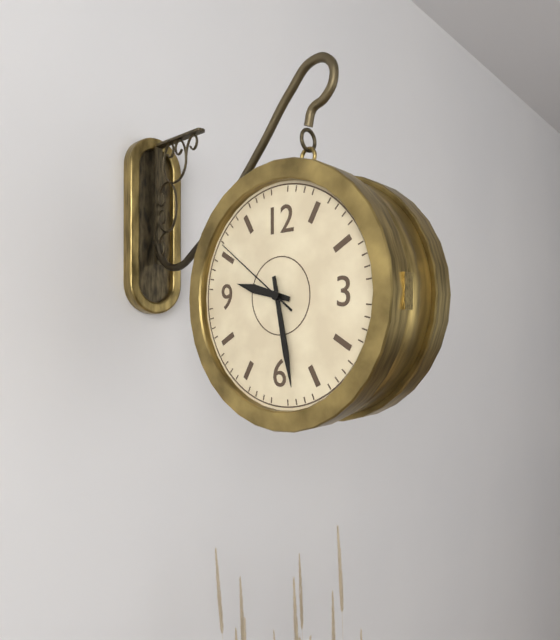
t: 9:28:51
